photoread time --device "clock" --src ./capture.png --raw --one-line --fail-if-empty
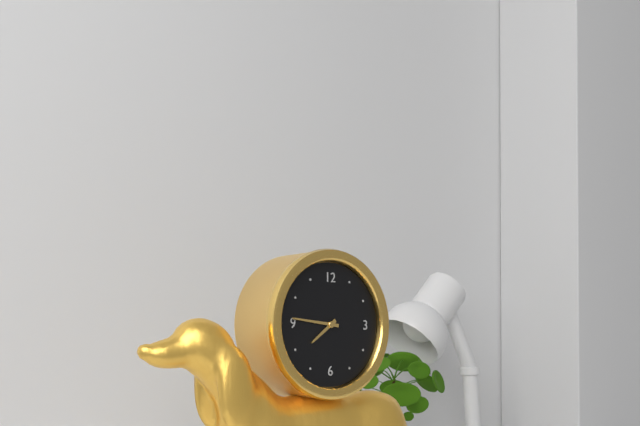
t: 7:46
